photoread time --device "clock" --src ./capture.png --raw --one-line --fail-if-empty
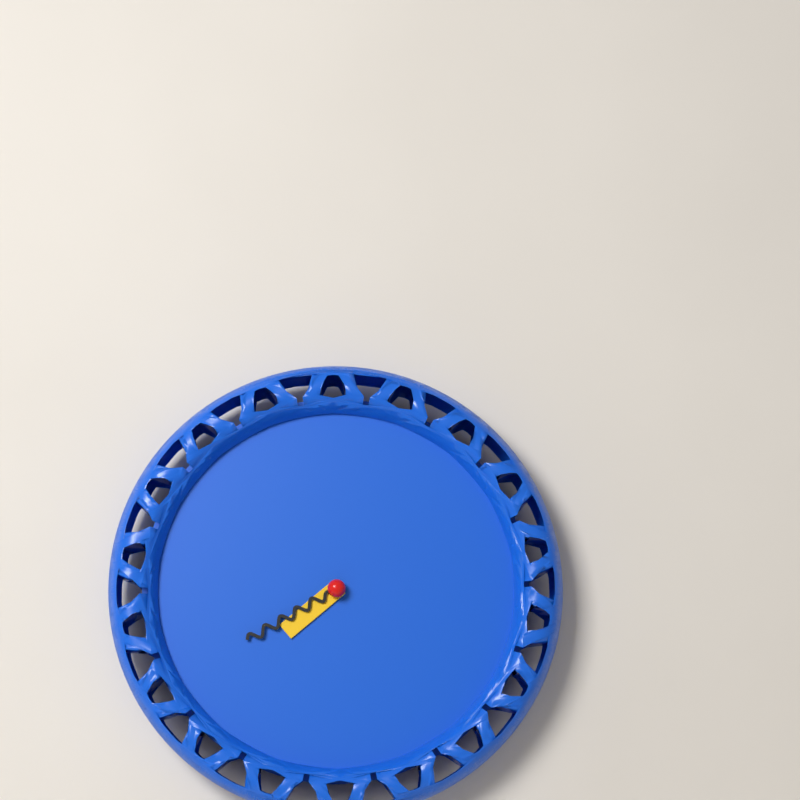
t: 7:40
